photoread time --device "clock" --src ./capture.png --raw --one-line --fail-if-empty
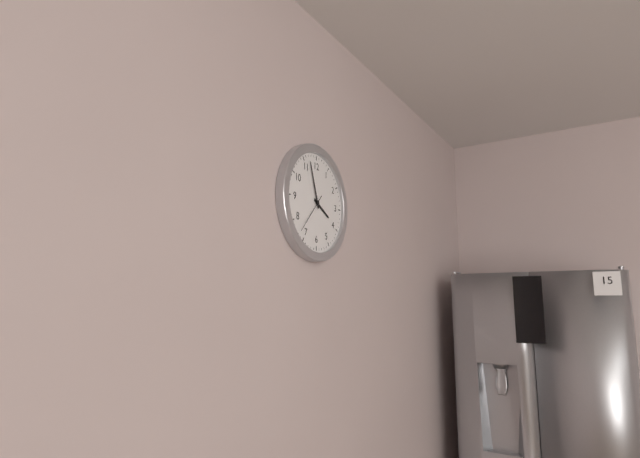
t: 3:57
